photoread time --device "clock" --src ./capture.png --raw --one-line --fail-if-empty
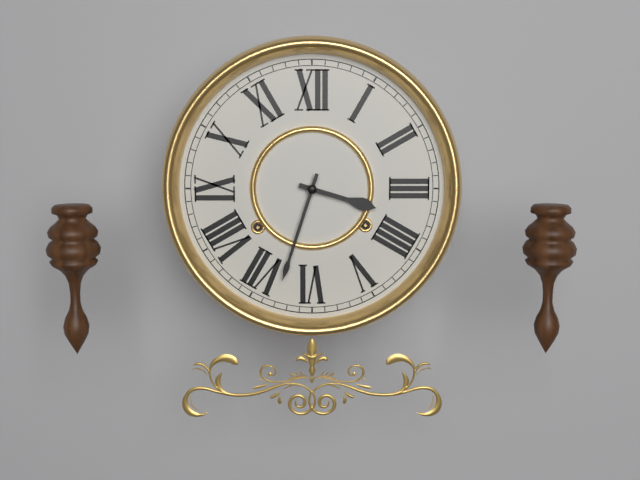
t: 3:33
